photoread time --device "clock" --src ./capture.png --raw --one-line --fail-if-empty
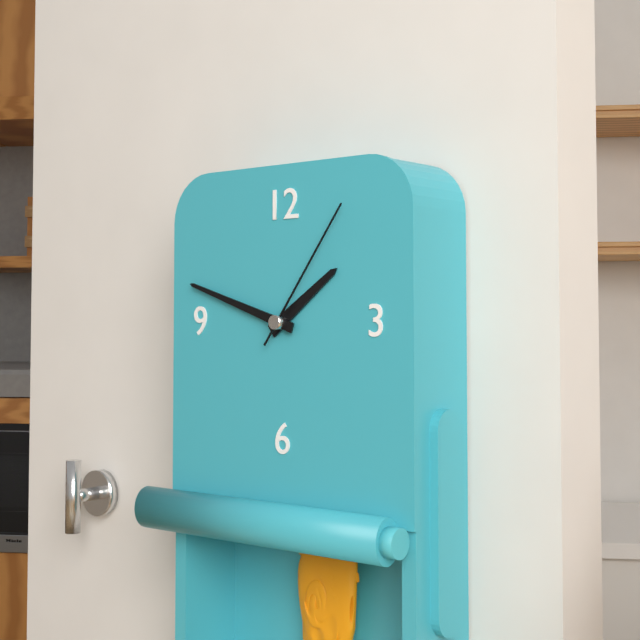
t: 1:48:06
